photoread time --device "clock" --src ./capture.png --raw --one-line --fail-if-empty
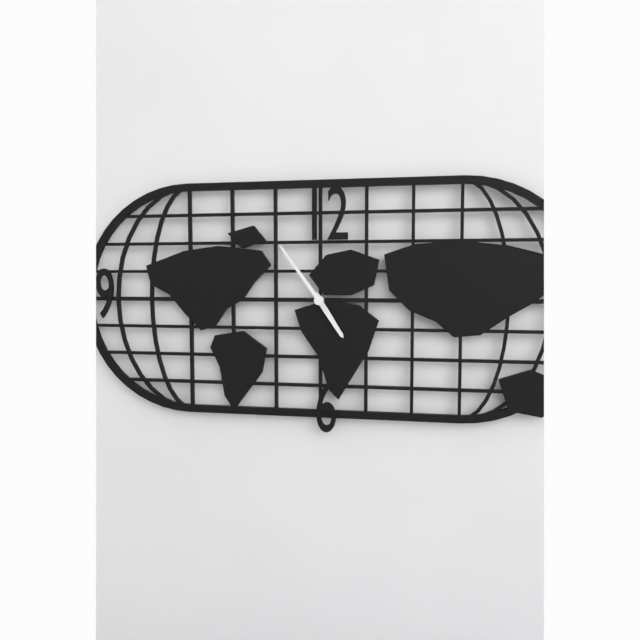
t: 4:54
